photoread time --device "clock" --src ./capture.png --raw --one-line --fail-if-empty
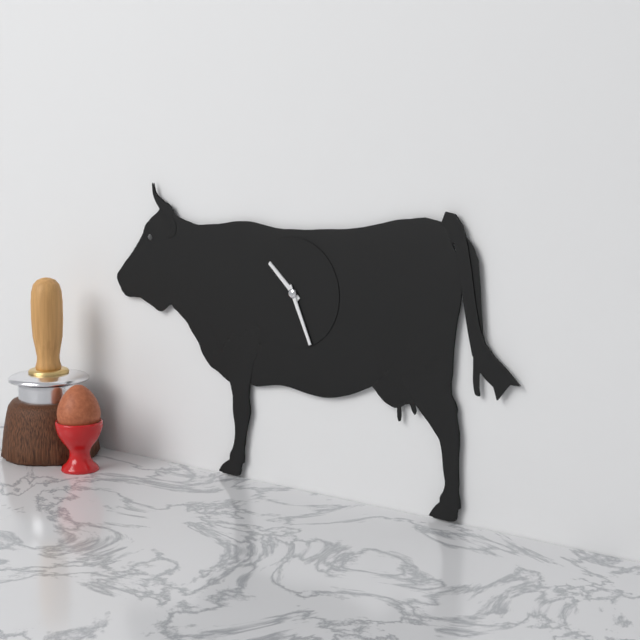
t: 10:26
